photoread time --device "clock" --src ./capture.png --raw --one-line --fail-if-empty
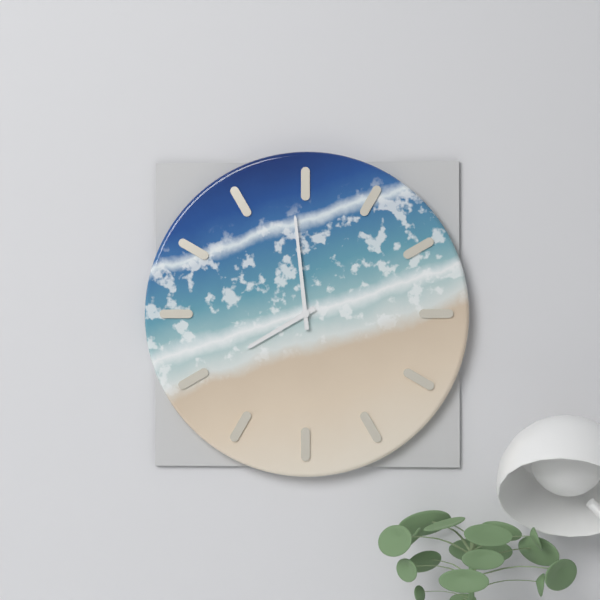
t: 7:59
